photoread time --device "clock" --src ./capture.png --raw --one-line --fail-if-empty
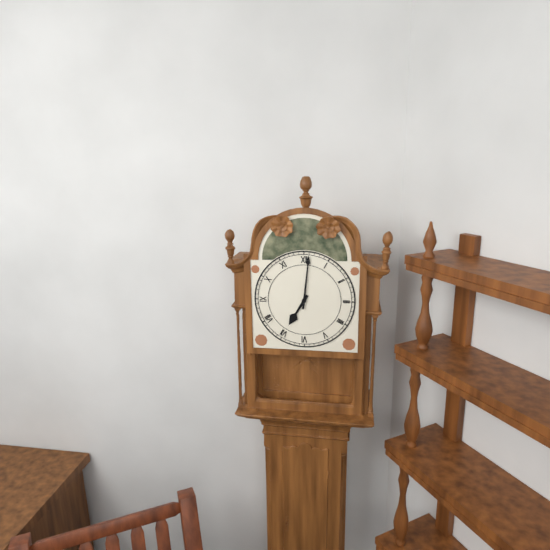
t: 7:01
